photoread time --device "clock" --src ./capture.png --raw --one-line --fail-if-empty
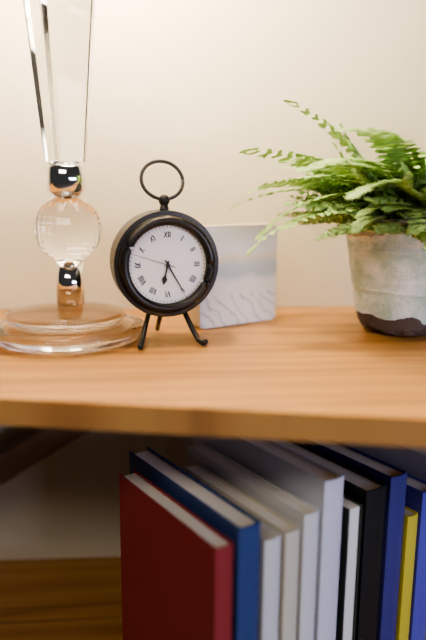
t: 6:25
